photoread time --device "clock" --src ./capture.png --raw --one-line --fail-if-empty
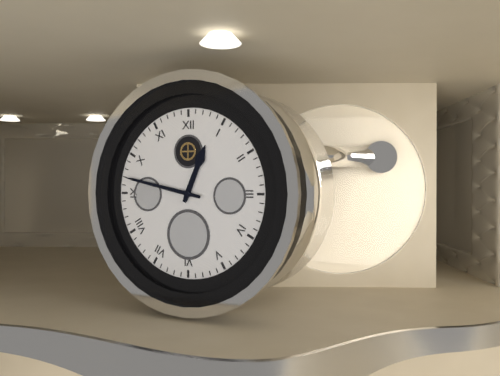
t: 12:47
